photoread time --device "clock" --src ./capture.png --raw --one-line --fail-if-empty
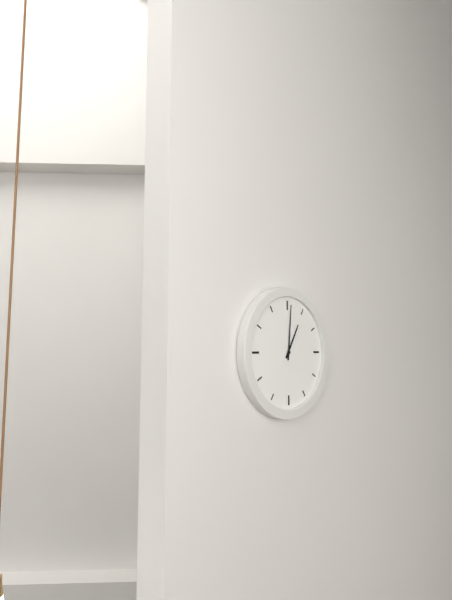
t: 1:01
